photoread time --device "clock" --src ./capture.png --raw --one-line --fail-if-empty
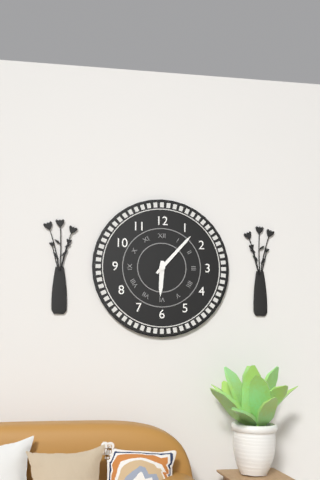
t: 6:07
